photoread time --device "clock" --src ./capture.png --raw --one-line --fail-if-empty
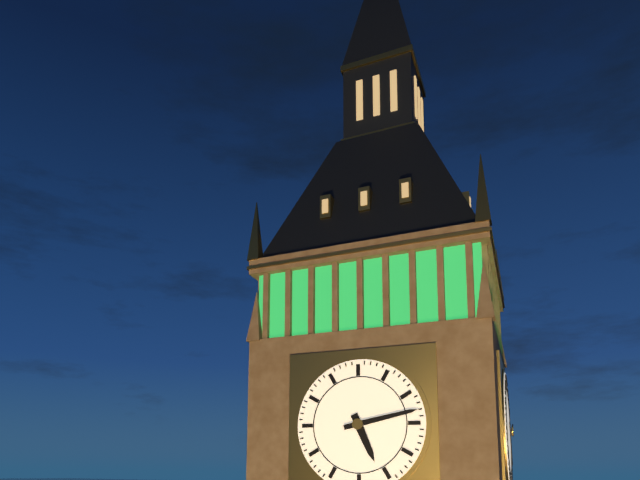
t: 5:13
